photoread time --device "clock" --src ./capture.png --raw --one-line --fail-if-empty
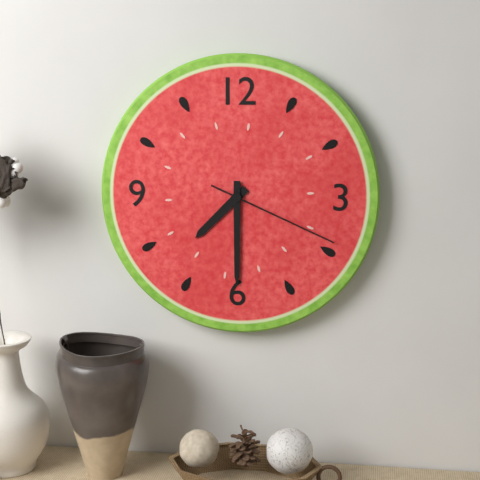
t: 7:30:19
